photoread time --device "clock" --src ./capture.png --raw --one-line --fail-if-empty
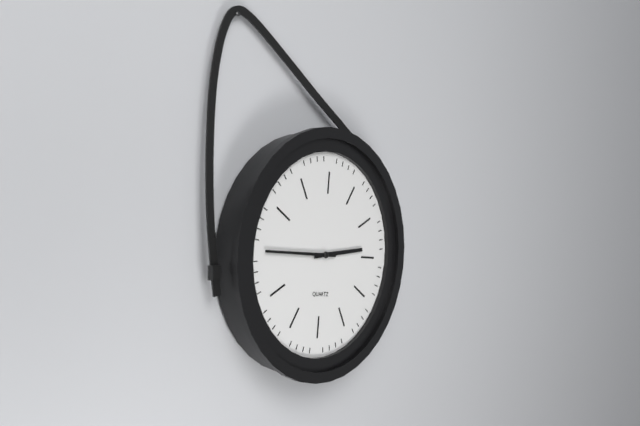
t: 2:45
